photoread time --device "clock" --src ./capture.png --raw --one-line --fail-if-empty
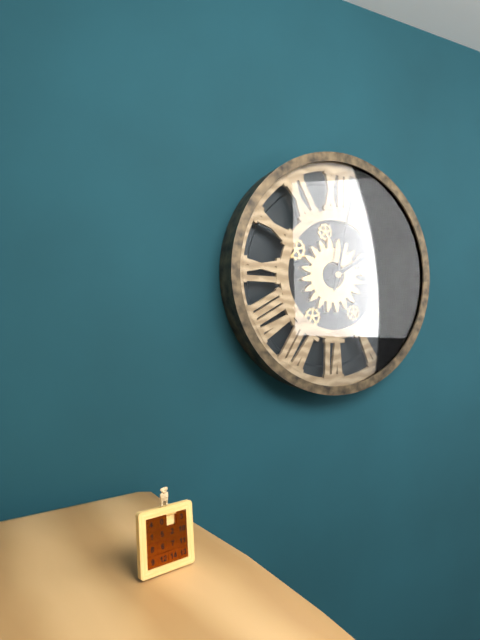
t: 2:02
